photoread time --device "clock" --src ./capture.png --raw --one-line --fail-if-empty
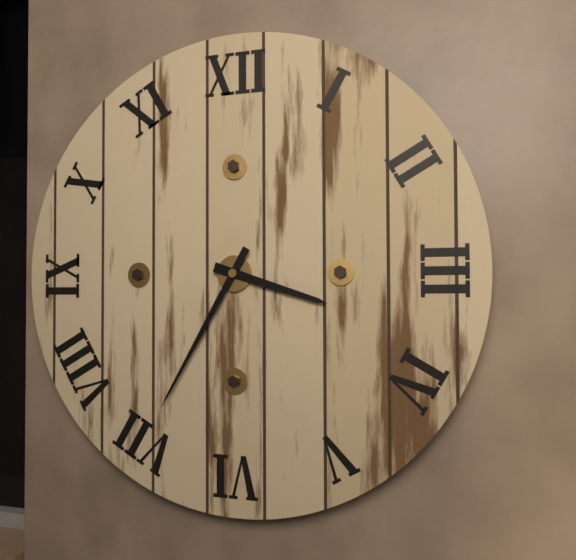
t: 3:35
